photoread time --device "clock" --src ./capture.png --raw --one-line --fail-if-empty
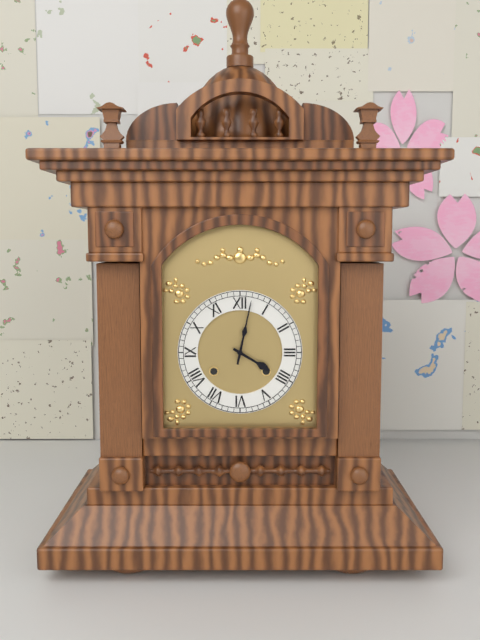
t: 4:02
